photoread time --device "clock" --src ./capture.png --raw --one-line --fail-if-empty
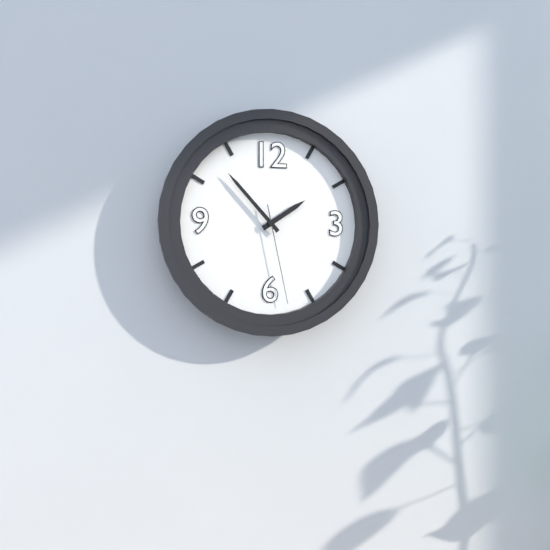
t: 1:53:28
